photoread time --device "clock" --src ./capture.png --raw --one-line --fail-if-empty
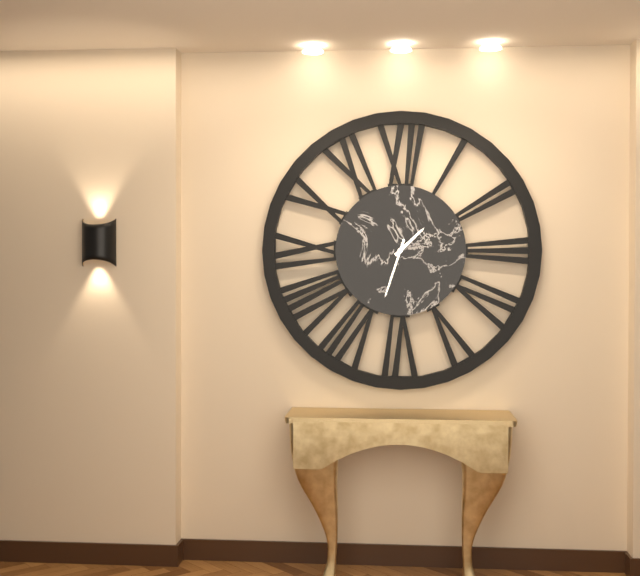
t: 1:33
